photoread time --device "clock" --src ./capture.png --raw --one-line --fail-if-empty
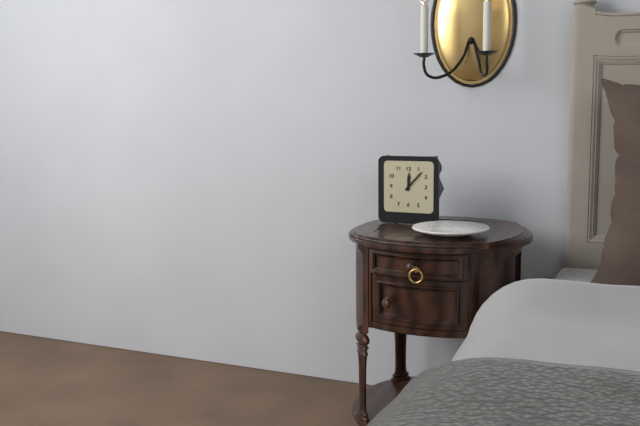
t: 12:07
